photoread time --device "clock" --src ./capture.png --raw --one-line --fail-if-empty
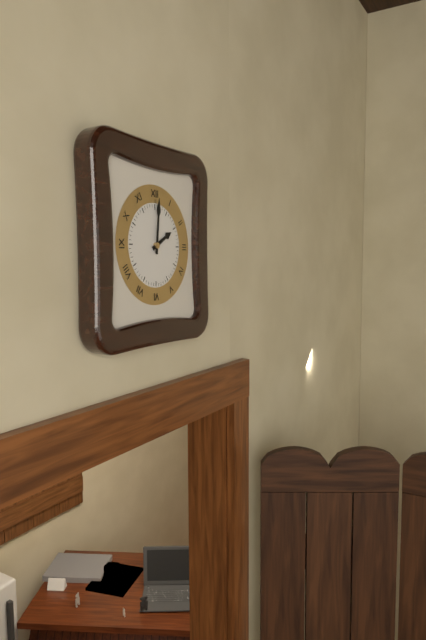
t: 2:01
